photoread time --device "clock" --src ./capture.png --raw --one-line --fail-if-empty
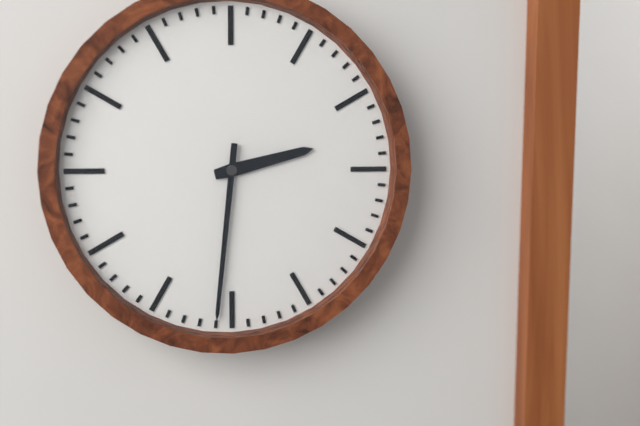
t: 2:31
